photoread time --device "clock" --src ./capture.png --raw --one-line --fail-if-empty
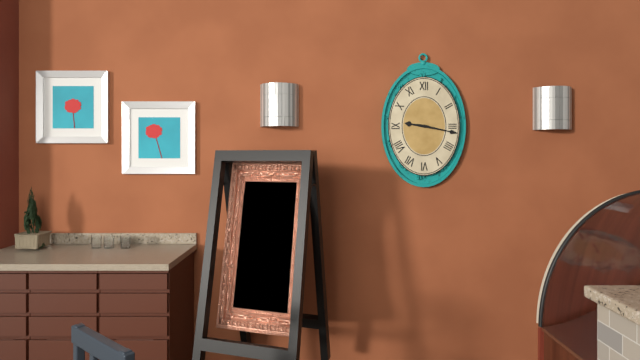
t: 9:17
